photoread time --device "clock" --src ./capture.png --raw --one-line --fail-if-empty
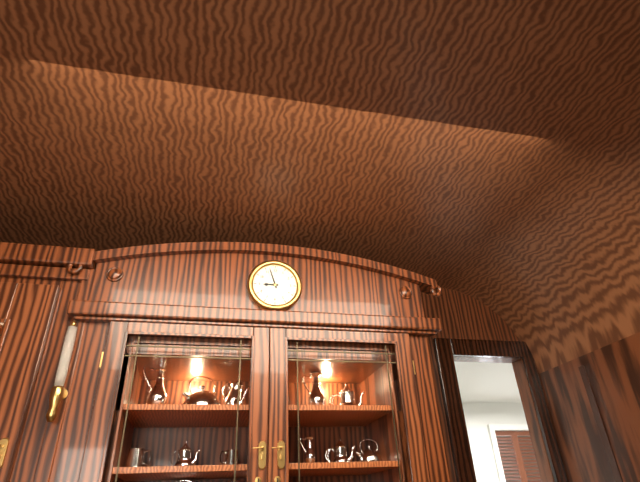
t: 8:57
